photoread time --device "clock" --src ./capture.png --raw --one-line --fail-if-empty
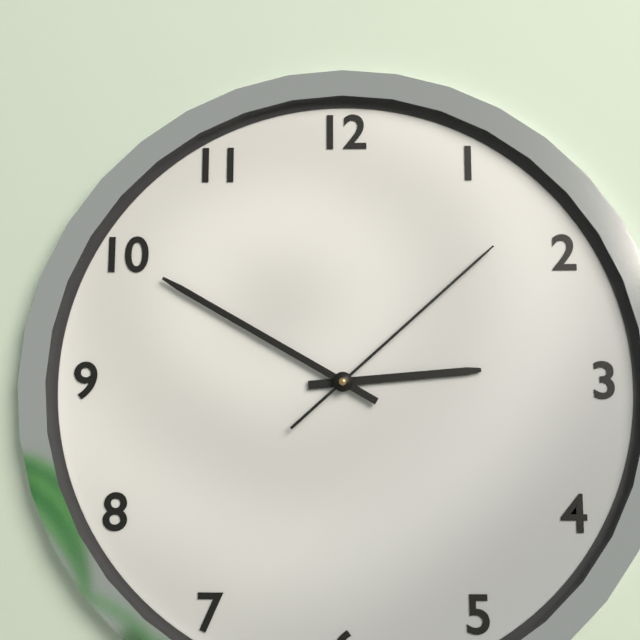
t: 2:50:08
